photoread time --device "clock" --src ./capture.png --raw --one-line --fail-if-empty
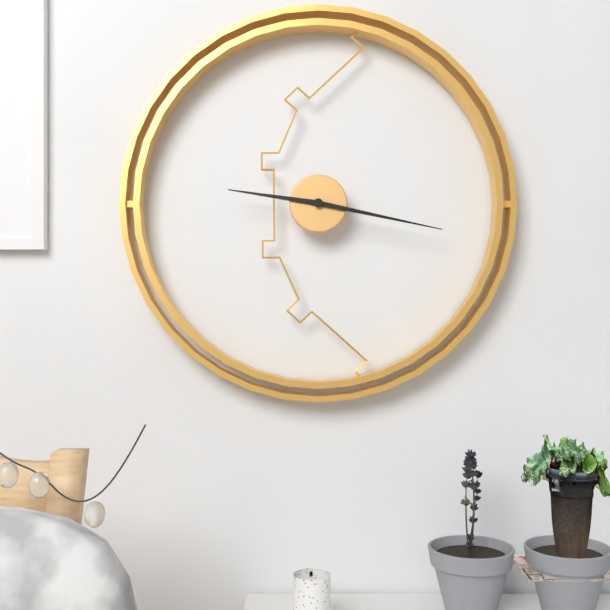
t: 9:17
